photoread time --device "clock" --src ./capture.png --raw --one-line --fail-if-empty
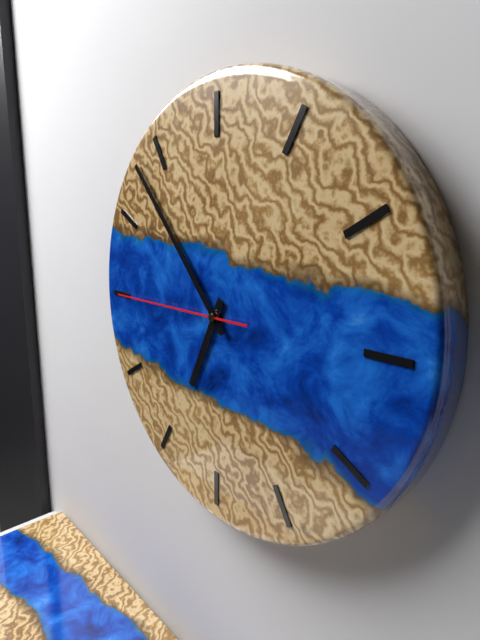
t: 6:53:45
